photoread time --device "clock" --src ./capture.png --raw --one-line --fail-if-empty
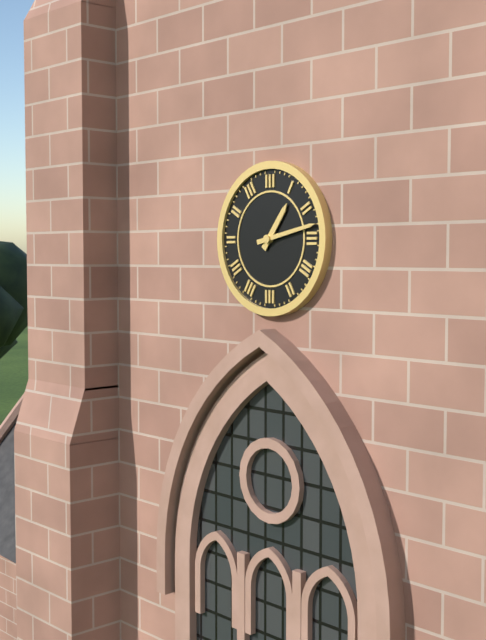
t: 1:13
